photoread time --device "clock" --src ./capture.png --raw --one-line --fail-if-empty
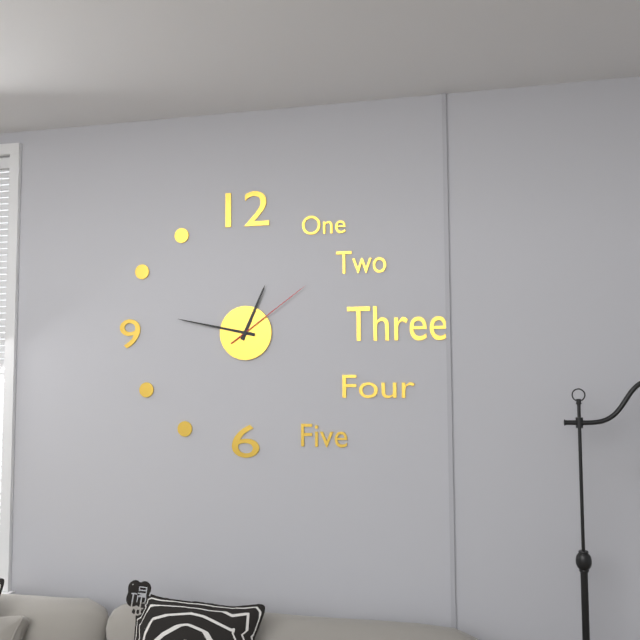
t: 12:47:09
